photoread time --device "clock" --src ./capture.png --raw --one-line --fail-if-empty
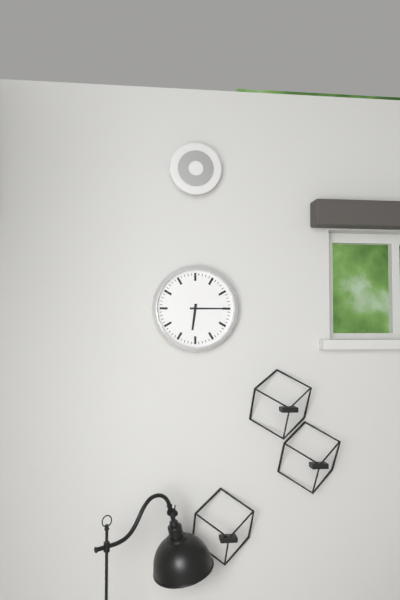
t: 6:15
